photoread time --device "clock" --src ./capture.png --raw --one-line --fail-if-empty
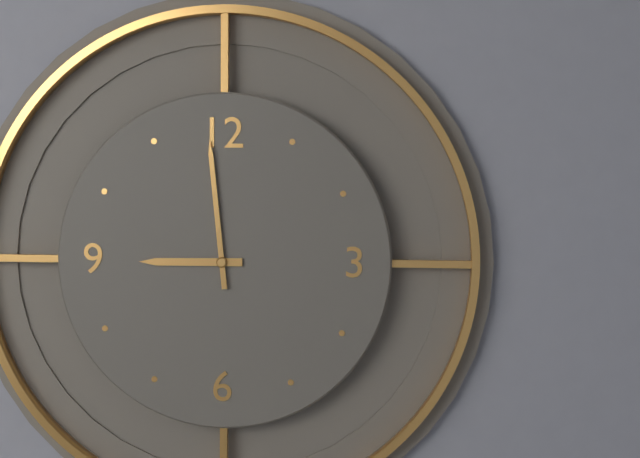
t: 8:59
